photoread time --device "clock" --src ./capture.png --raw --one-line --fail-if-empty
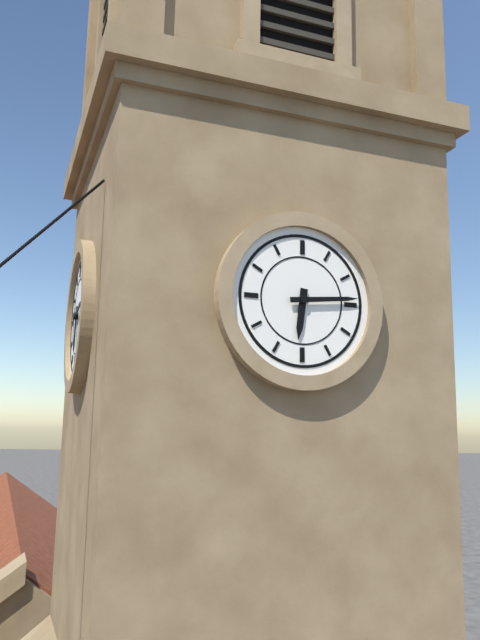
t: 6:14
